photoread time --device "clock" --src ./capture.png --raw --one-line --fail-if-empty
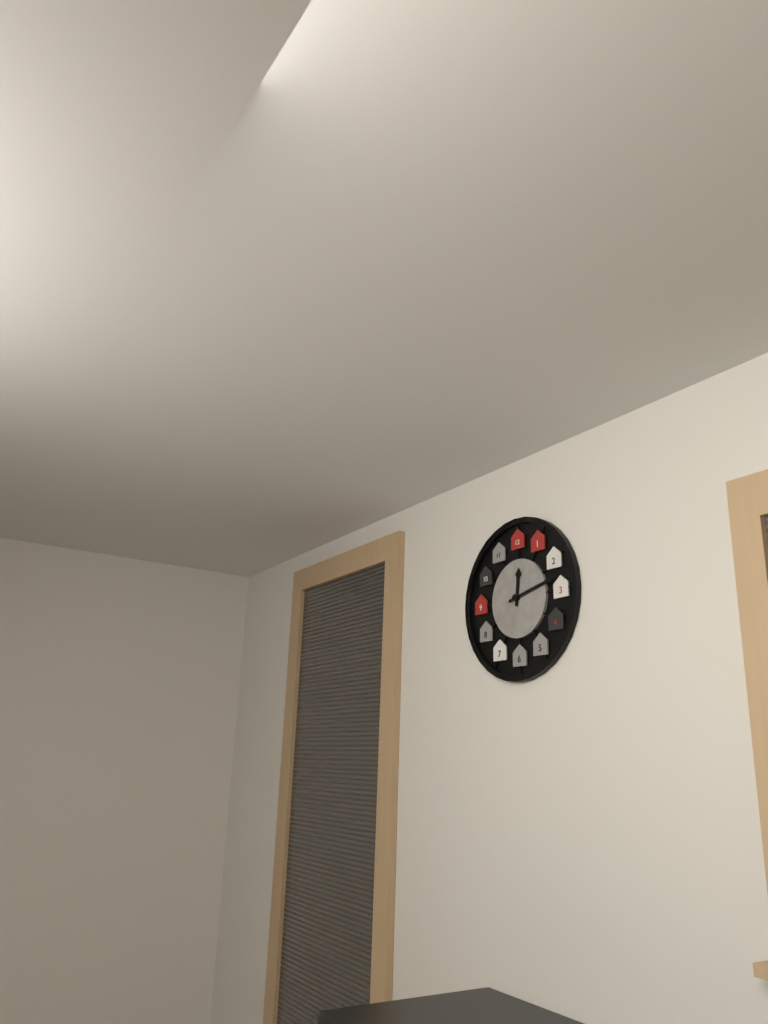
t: 12:13
